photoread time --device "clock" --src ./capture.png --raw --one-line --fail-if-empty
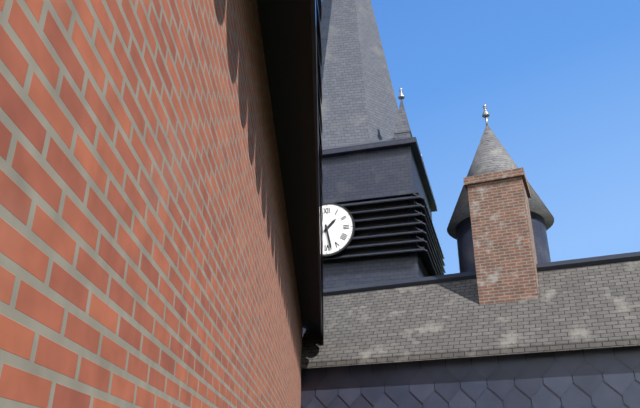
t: 1:28
